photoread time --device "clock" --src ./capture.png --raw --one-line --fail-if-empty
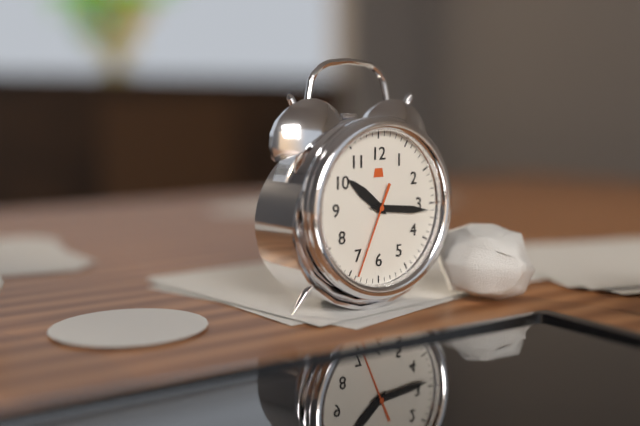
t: 10:16:34
